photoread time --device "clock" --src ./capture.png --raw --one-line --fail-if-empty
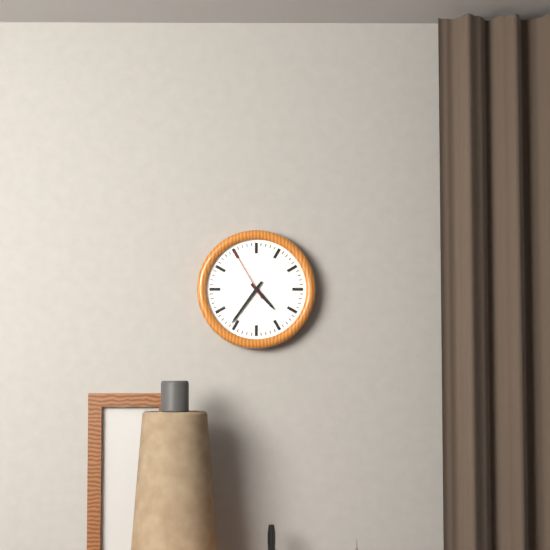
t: 4:36:55
